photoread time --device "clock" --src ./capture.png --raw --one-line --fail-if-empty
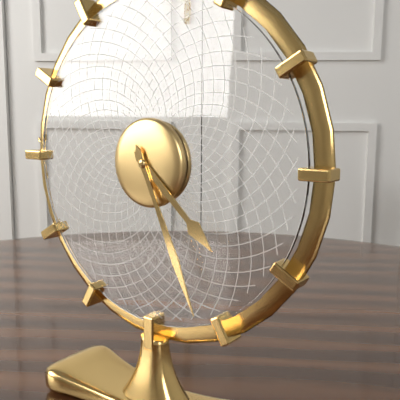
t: 4:26
